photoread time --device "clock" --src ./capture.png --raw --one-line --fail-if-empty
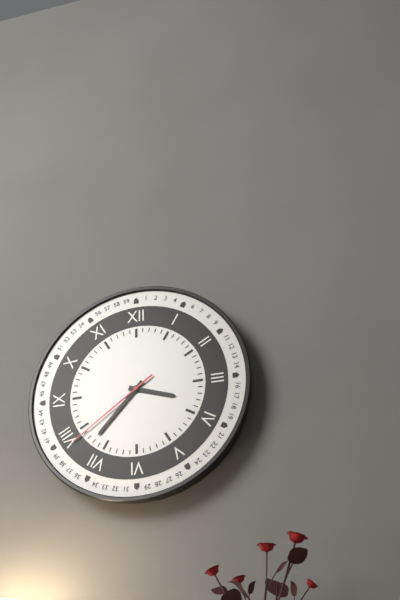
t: 3:37:39
